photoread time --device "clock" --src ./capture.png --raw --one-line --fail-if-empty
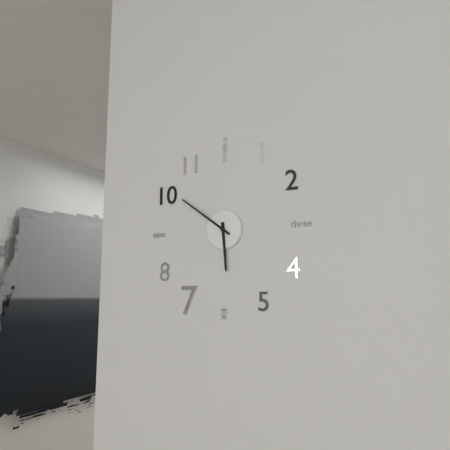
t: 5:51
